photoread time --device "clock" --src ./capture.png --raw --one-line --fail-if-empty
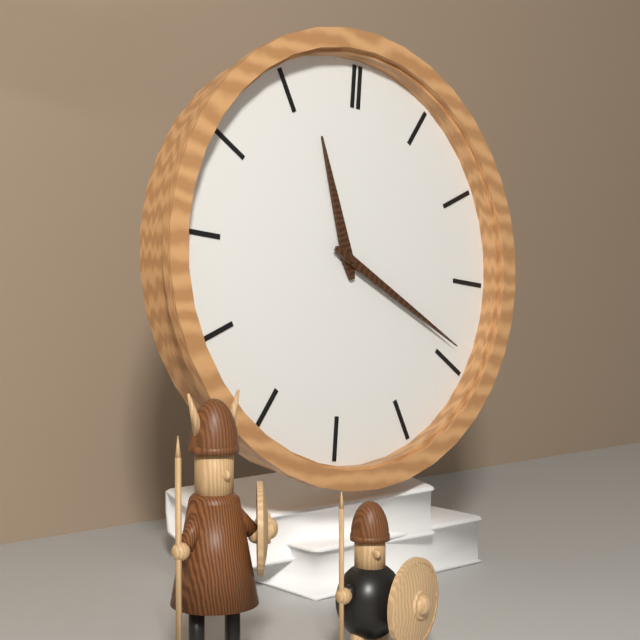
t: 11:19
